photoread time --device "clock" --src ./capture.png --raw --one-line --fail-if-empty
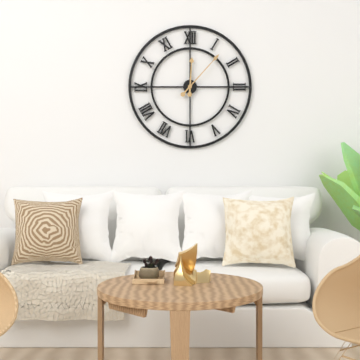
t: 12:07
